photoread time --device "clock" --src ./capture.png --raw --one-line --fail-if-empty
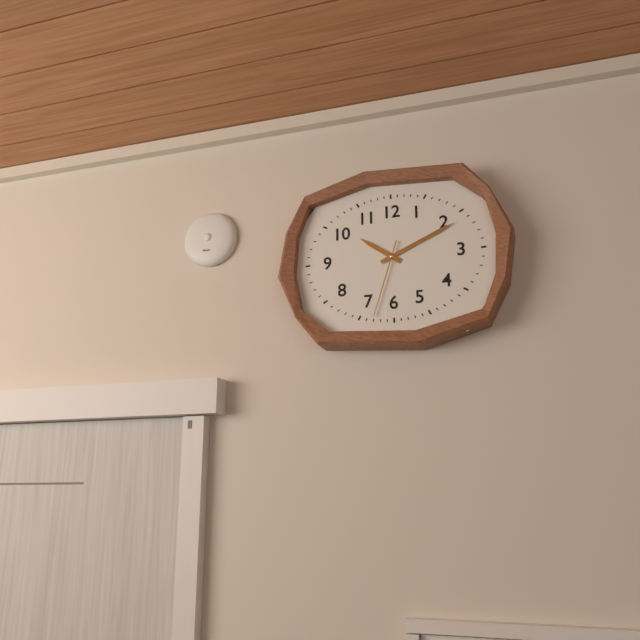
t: 10:11:33
